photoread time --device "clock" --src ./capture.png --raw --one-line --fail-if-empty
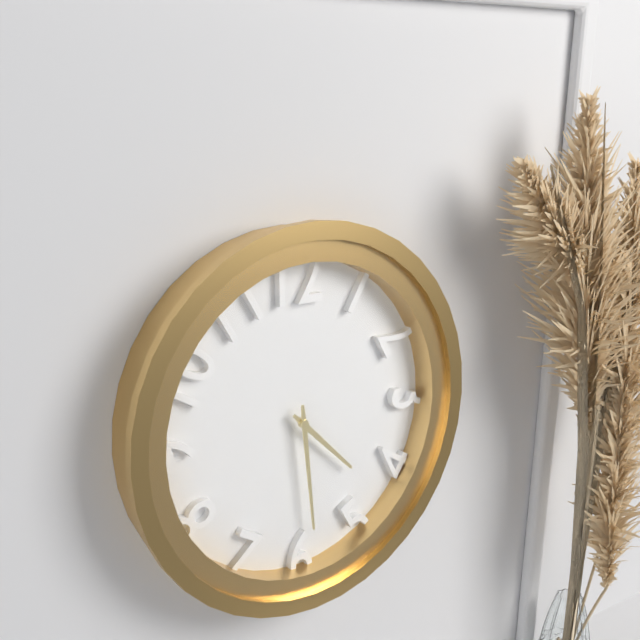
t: 4:29
